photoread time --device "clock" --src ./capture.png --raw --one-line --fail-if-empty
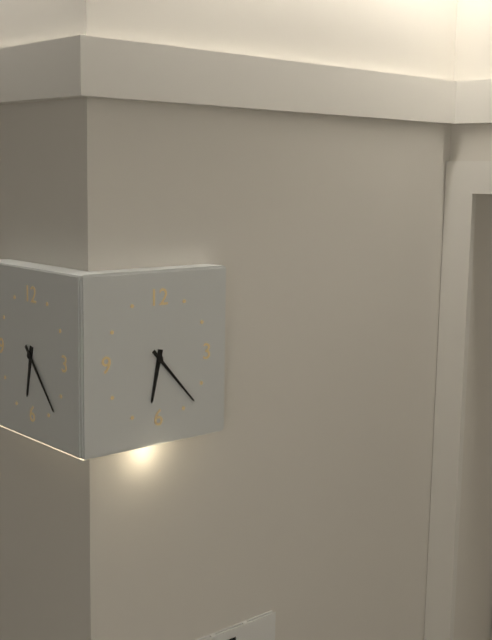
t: 6:23
